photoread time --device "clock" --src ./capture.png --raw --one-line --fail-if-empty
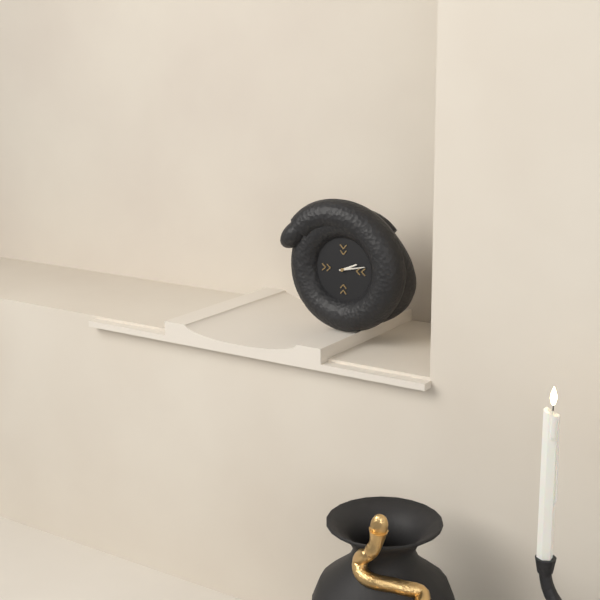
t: 2:13
